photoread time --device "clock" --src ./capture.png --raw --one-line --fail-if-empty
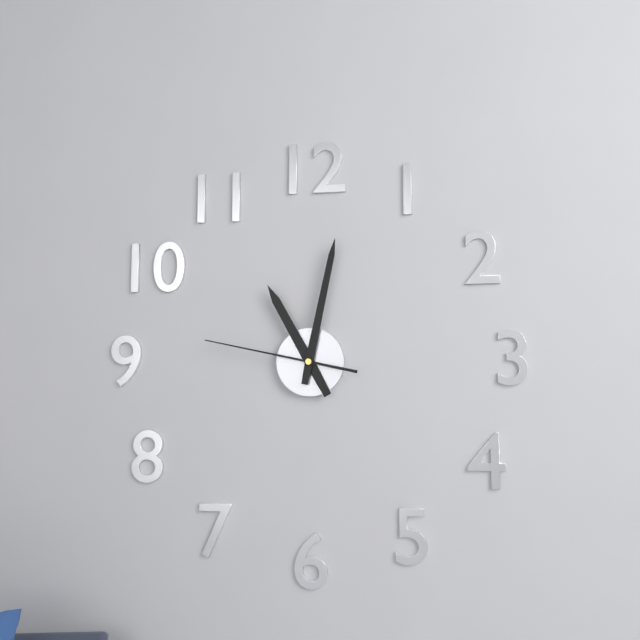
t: 11:02:47
